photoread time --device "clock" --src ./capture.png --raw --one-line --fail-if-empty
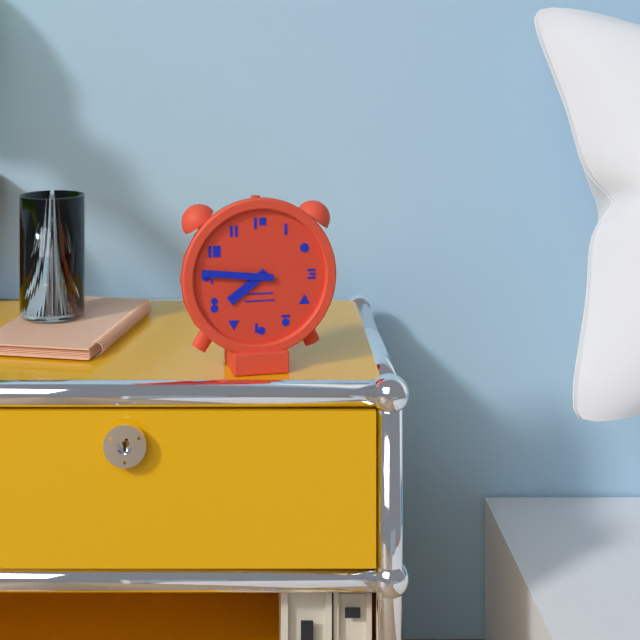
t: 7:46
